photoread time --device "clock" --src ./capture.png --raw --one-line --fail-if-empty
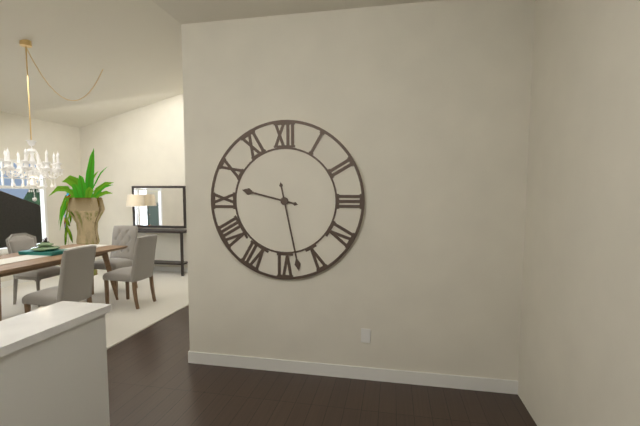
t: 9:28
